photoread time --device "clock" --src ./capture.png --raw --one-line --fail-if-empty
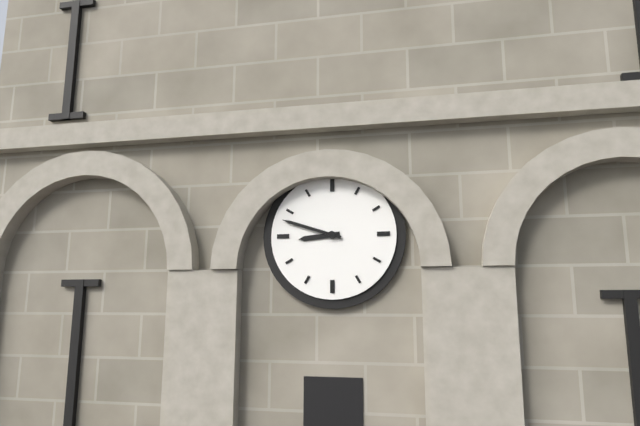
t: 8:48
